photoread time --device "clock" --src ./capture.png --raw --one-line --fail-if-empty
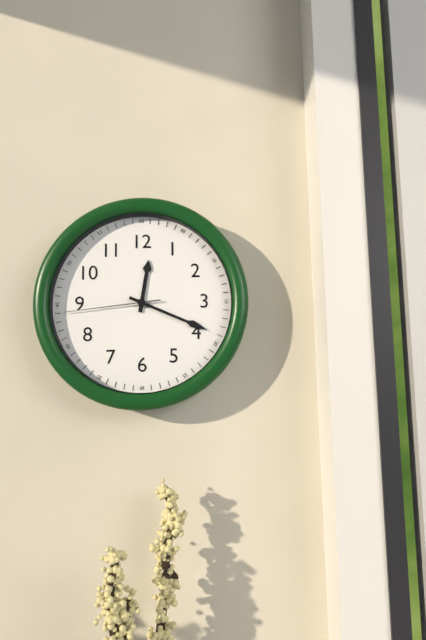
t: 12:19:44
